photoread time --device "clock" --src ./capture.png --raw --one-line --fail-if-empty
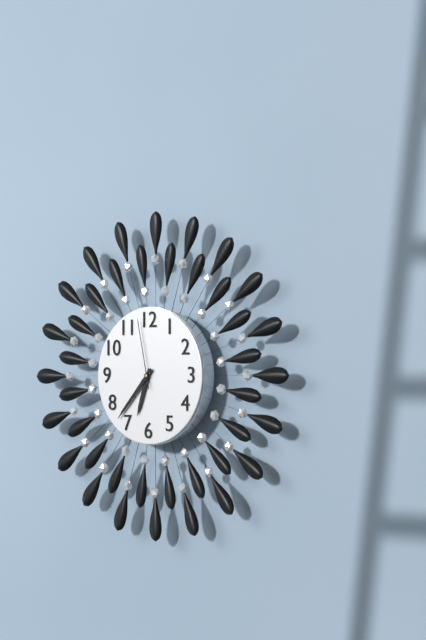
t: 6:37:58
